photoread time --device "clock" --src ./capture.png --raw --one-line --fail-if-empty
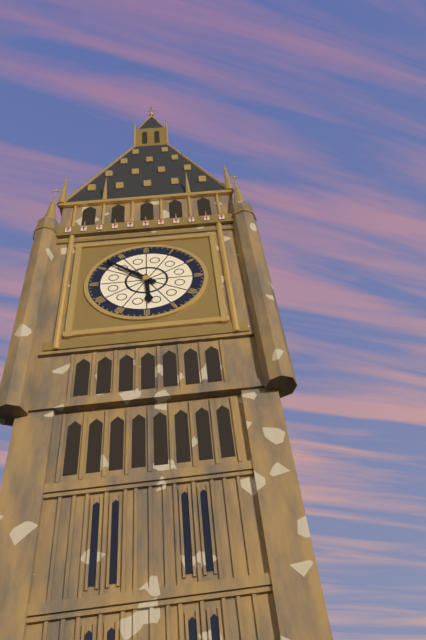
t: 5:52
